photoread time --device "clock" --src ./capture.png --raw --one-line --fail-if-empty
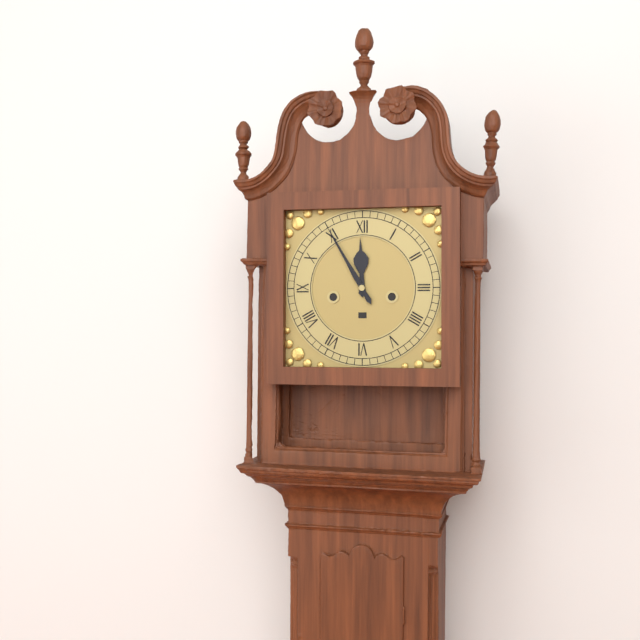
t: 11:55
